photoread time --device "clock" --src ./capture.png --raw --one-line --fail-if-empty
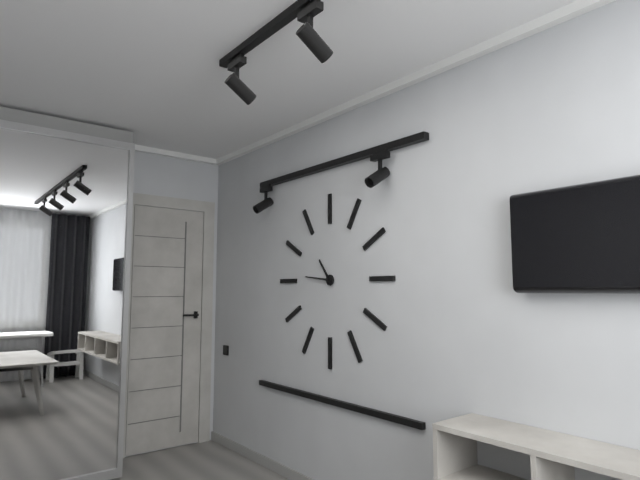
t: 10:46
